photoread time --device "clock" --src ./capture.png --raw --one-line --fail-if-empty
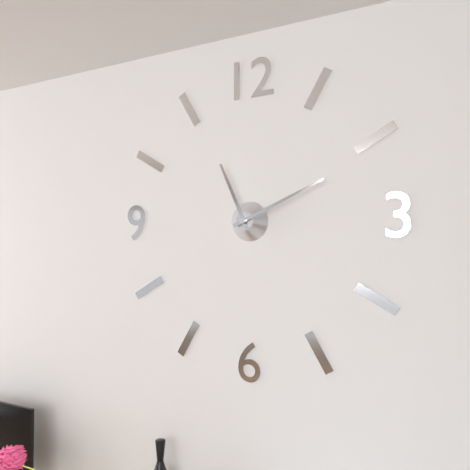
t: 11:11
